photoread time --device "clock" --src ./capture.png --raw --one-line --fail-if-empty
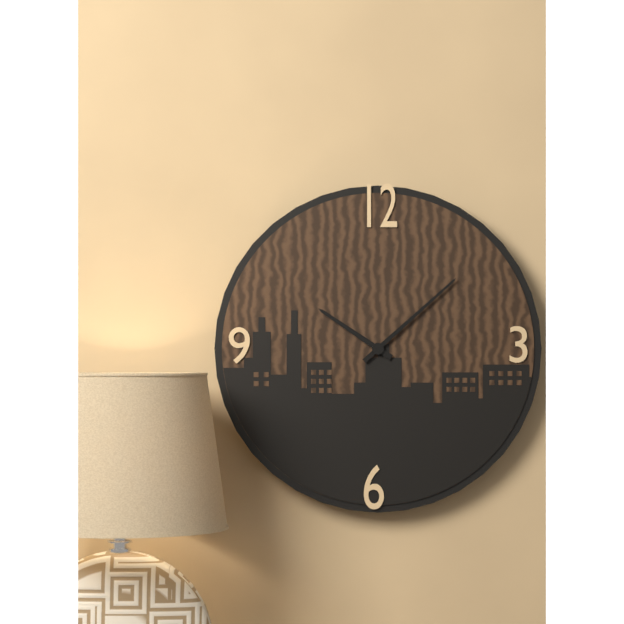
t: 10:08
